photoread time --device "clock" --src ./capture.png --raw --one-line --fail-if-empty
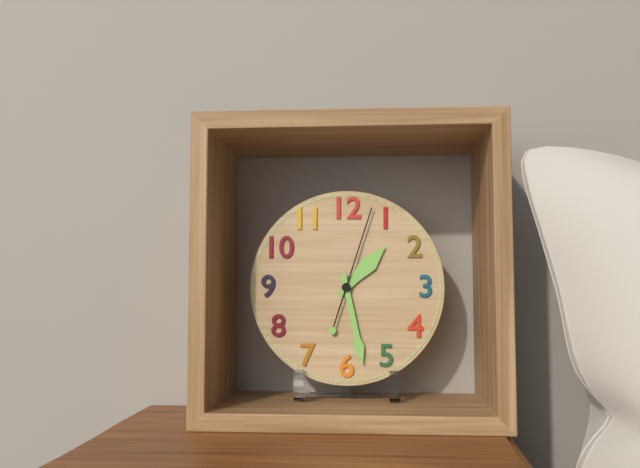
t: 1:28:03
